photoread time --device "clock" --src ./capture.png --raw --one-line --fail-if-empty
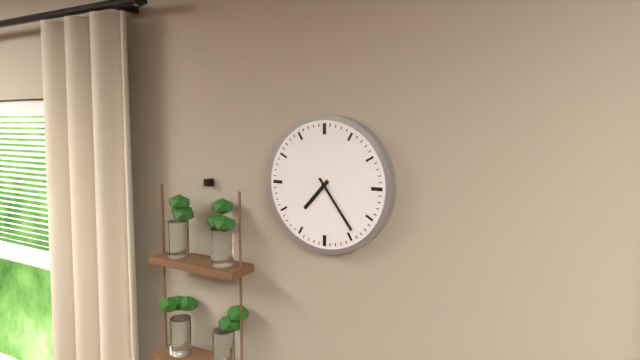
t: 7:24
